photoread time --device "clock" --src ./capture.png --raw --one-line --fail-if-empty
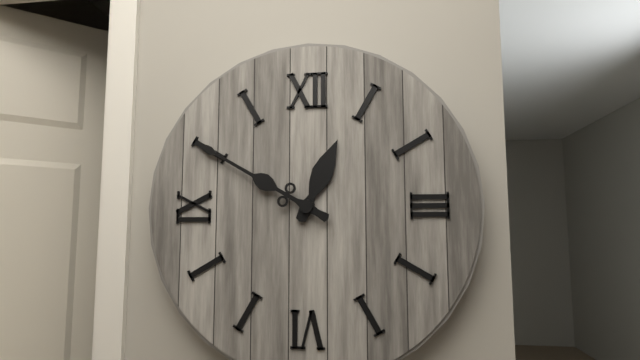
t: 12:50
